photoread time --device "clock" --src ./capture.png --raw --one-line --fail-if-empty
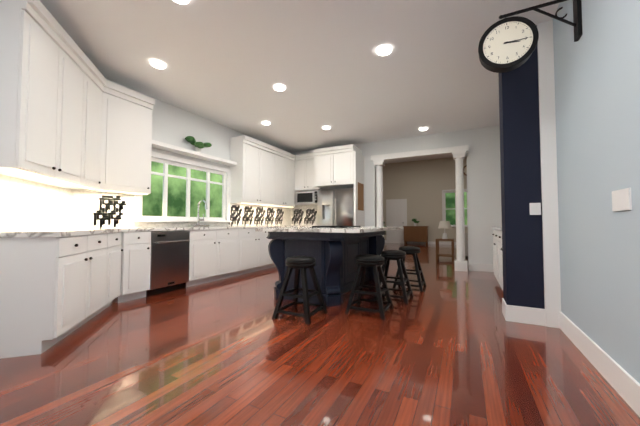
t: 3:15
